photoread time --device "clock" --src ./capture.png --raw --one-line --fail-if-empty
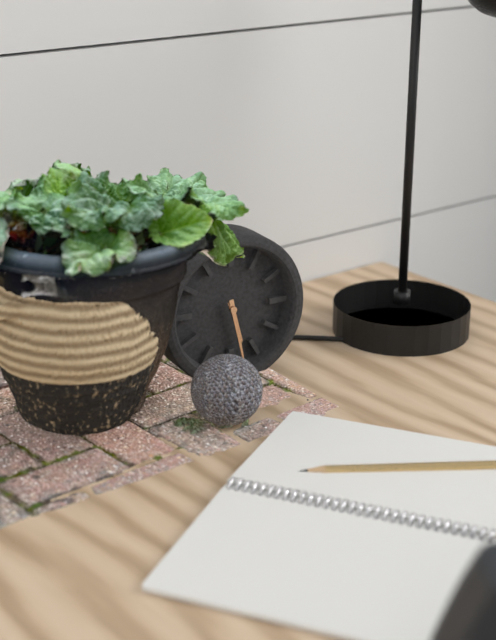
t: 5:28
